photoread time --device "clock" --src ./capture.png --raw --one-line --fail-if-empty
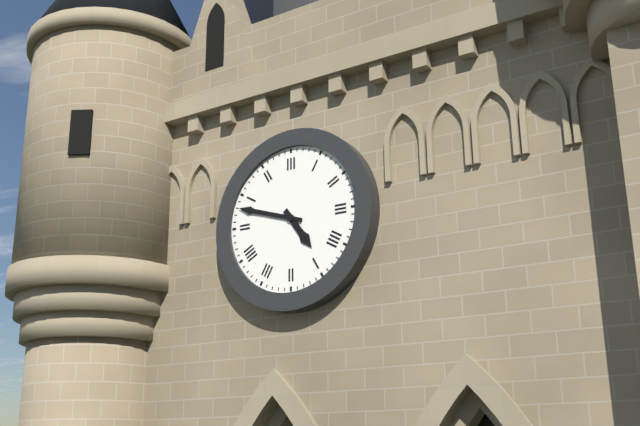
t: 4:48
